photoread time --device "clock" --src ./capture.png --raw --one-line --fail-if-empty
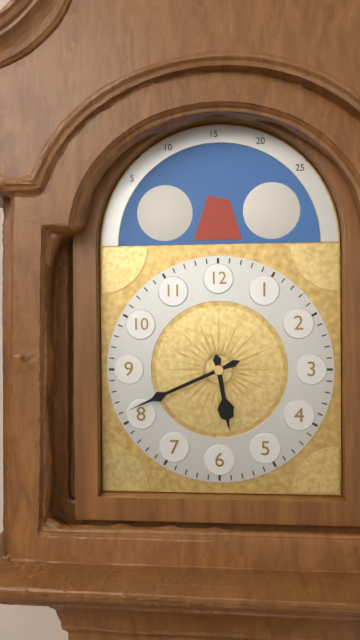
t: 5:41
